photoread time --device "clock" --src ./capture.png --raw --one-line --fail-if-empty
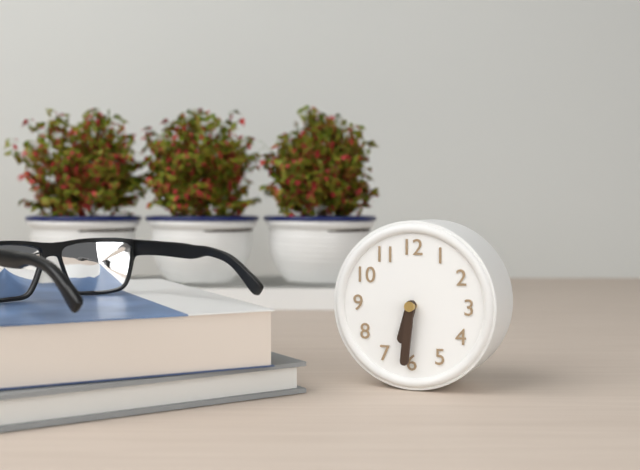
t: 6:31
